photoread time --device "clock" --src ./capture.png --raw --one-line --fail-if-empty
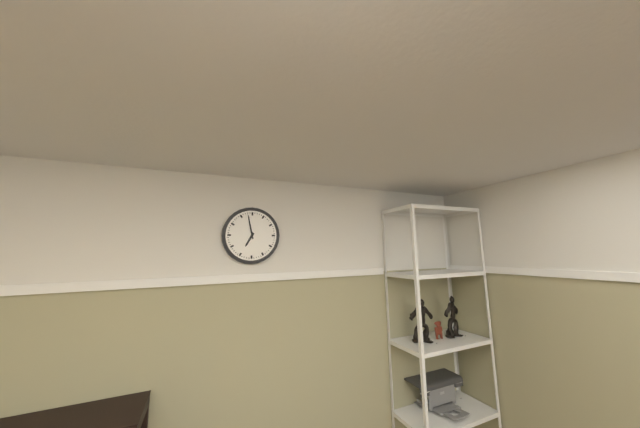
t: 6:58
